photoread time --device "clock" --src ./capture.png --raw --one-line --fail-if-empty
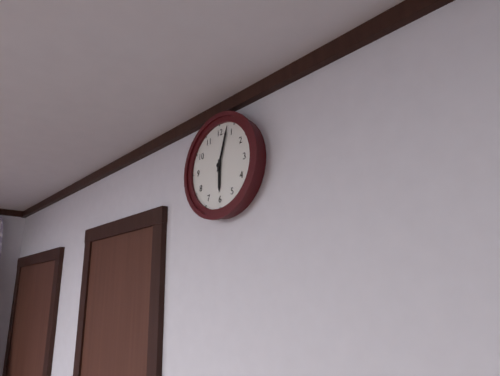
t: 6:03
